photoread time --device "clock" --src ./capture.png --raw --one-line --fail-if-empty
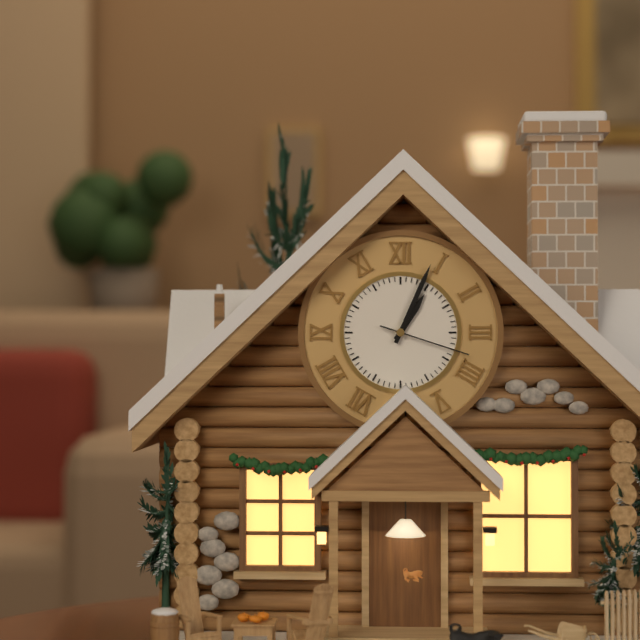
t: 1:04:18
